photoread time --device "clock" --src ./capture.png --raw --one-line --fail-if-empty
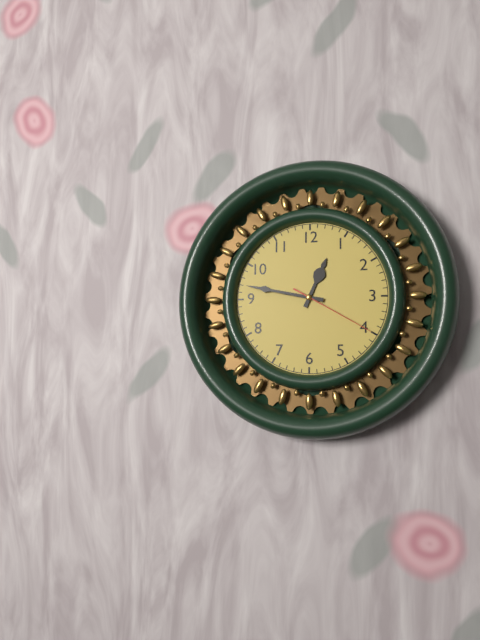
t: 12:47:20
